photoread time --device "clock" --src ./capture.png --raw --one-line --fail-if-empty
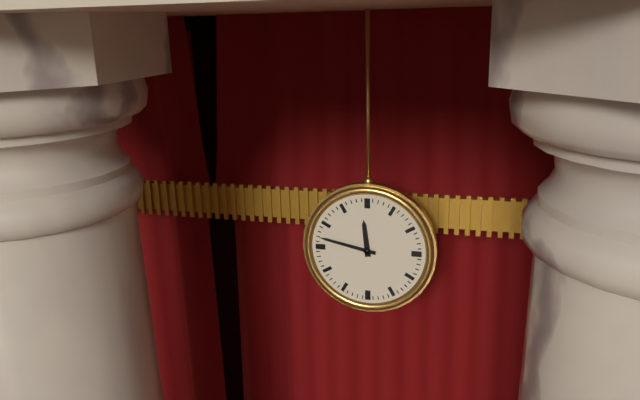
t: 11:47
